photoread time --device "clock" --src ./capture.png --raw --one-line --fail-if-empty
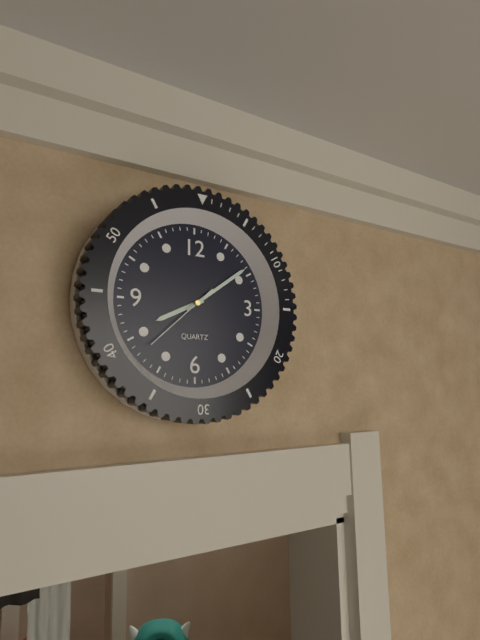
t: 8:09:38
